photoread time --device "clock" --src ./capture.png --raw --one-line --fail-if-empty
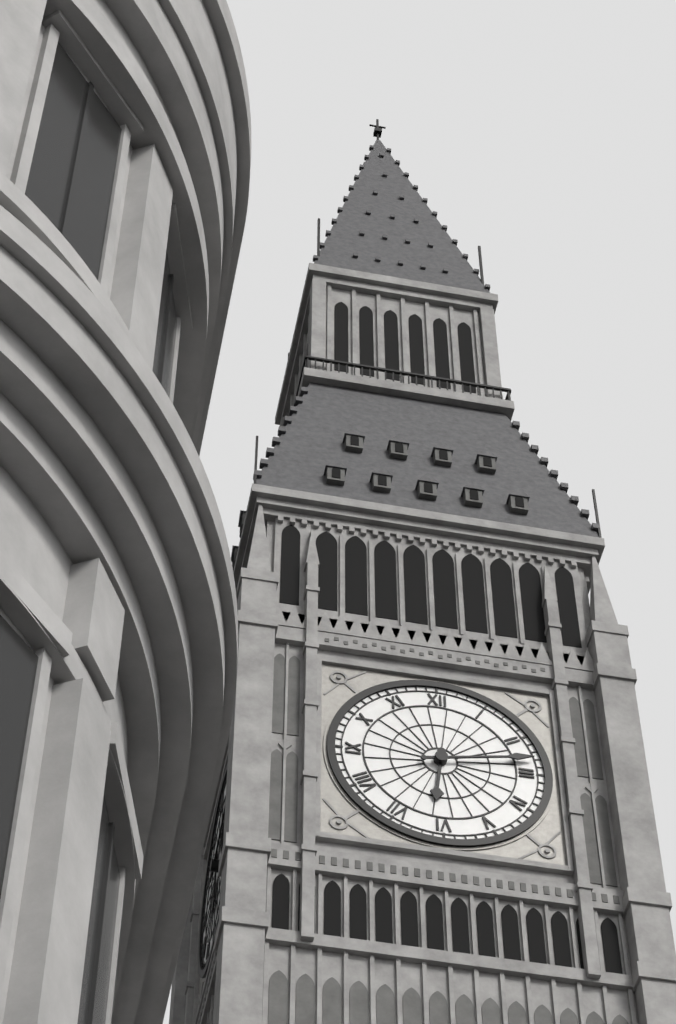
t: 6:13
